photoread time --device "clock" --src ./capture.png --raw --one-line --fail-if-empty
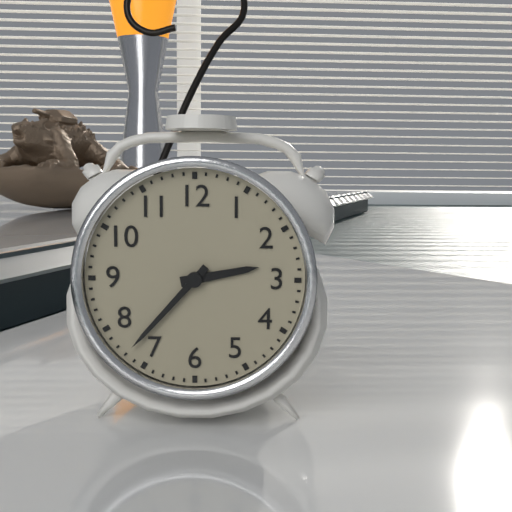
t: 2:37
